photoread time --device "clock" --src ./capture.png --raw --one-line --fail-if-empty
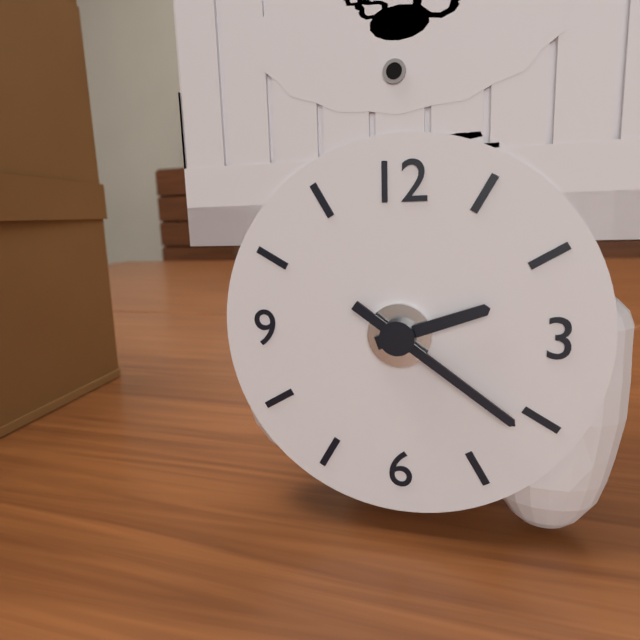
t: 2:21
